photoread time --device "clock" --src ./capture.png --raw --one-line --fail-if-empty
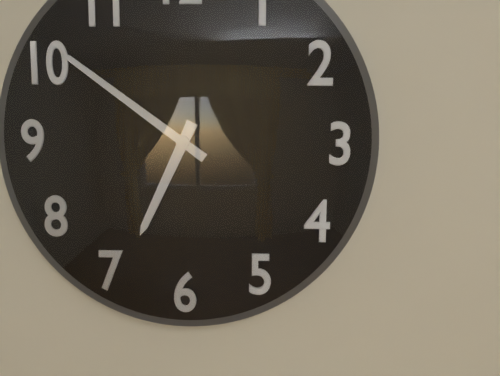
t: 6:51
